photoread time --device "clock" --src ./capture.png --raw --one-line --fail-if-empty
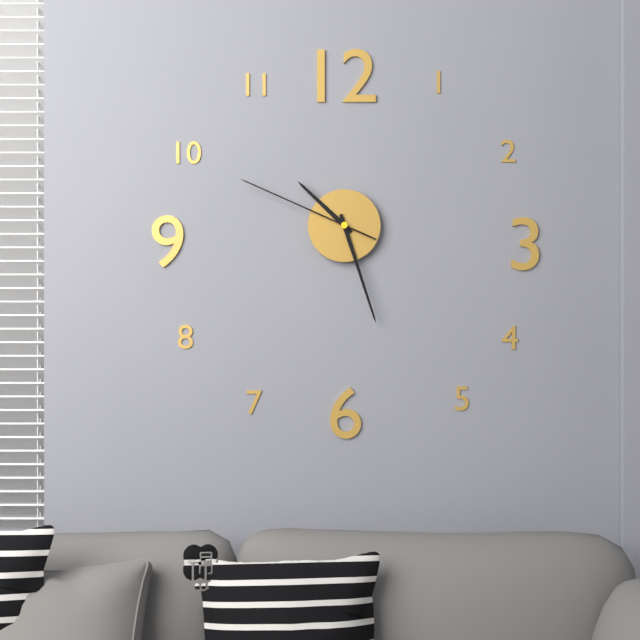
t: 10:27:49
